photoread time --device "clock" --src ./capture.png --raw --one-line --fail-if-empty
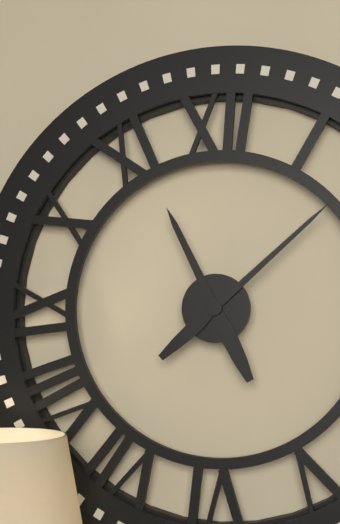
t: 11:08
